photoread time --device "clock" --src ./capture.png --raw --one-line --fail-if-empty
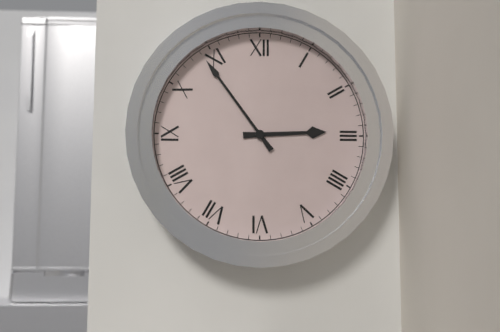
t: 2:54
